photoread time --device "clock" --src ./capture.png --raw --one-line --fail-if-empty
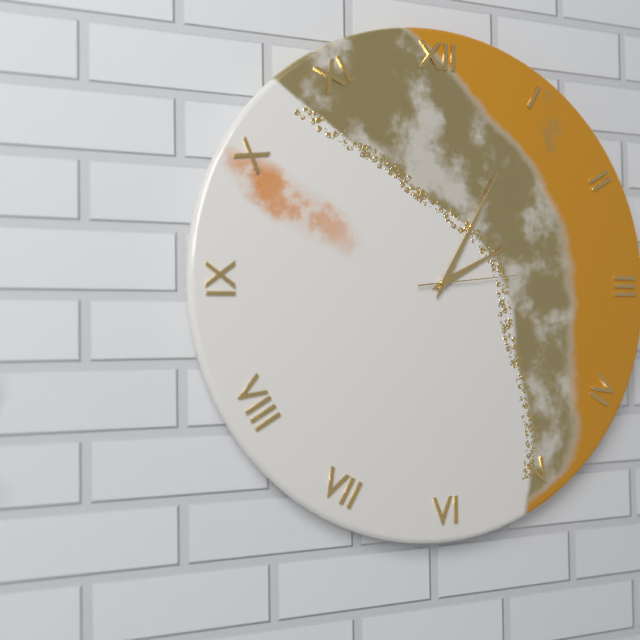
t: 2:05:14
